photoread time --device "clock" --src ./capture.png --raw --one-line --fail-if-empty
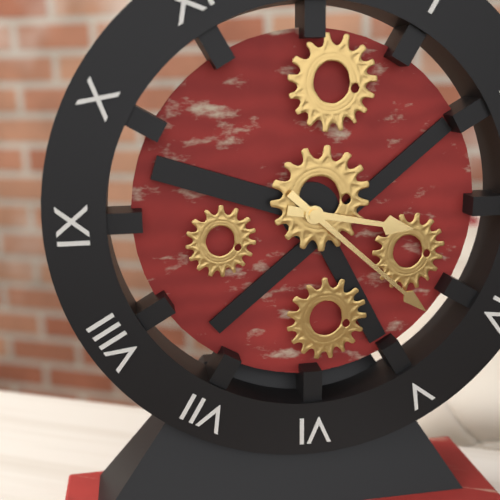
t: 3:22
